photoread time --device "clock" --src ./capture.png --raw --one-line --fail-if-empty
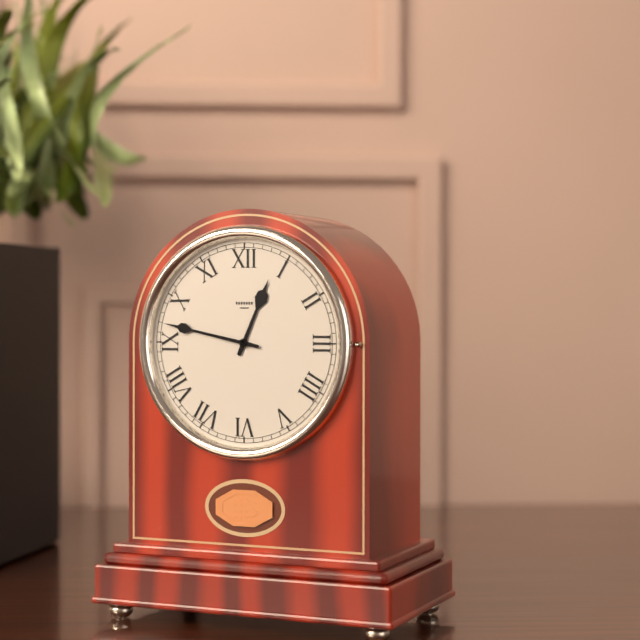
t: 12:47
